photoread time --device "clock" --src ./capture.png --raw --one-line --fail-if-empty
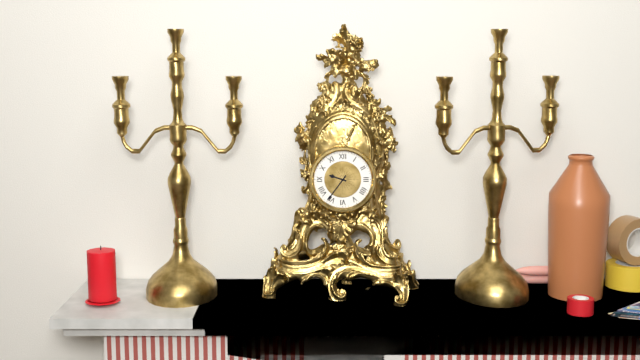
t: 9:36
